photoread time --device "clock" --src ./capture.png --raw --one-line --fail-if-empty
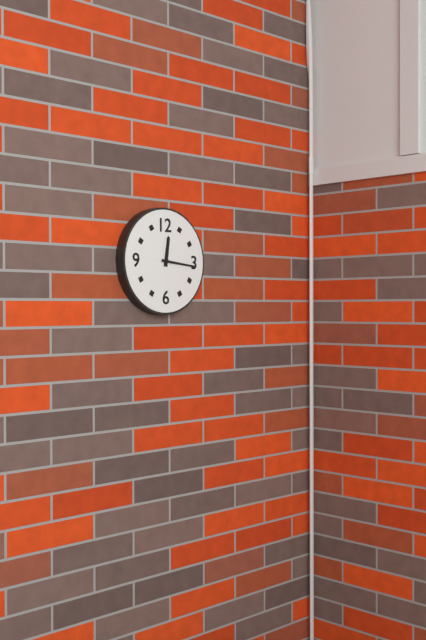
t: 12:16
